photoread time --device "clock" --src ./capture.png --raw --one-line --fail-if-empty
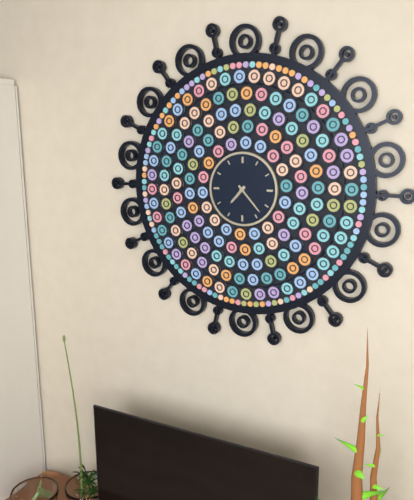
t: 7:23
